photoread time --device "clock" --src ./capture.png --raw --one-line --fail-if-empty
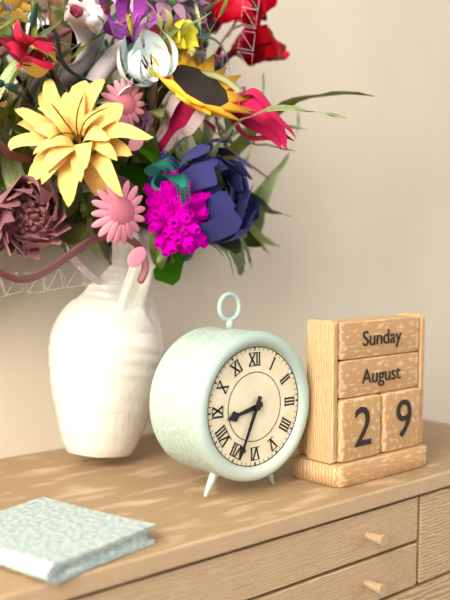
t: 8:34
